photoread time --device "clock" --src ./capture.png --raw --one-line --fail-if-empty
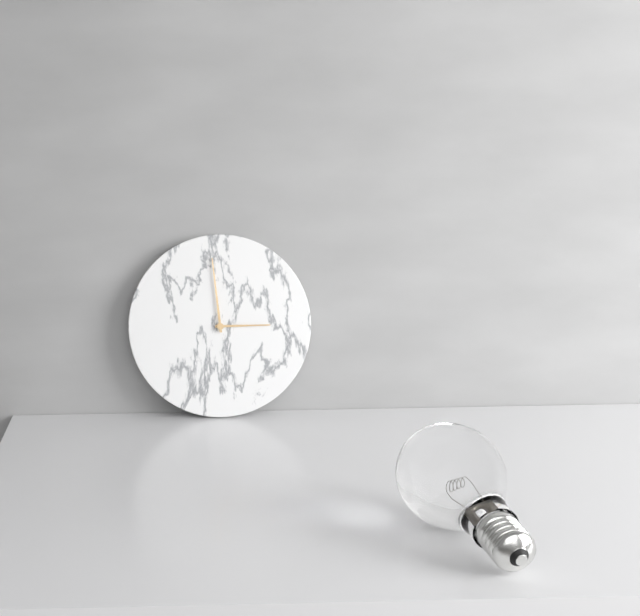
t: 2:59
